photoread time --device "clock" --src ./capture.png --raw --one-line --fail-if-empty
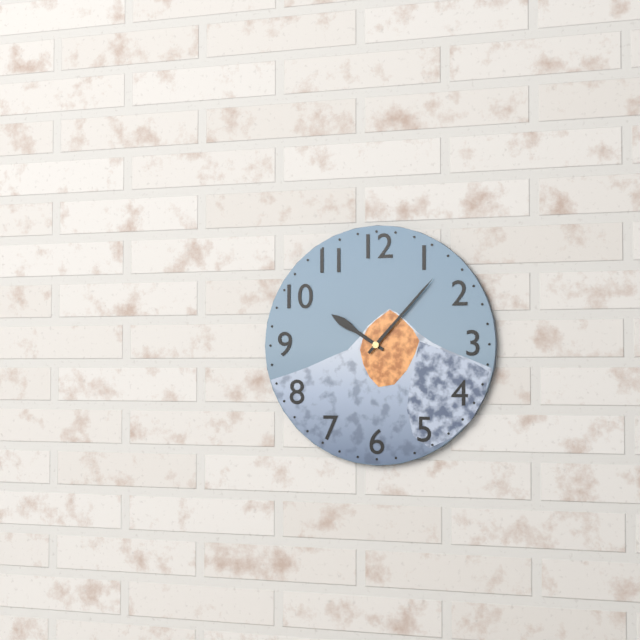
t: 10:07
